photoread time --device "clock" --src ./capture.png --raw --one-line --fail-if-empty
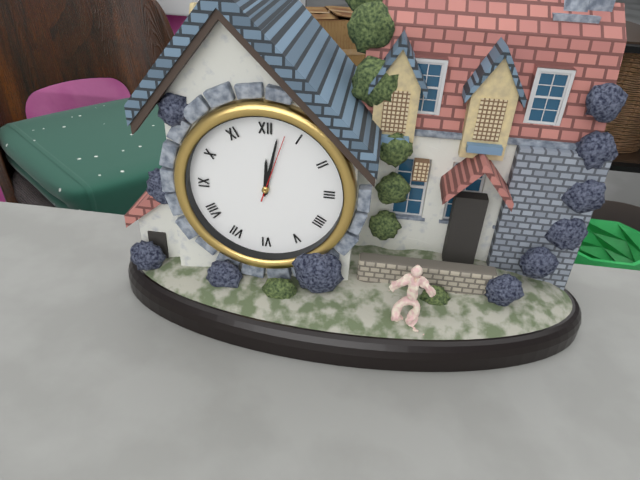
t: 12:02:03
